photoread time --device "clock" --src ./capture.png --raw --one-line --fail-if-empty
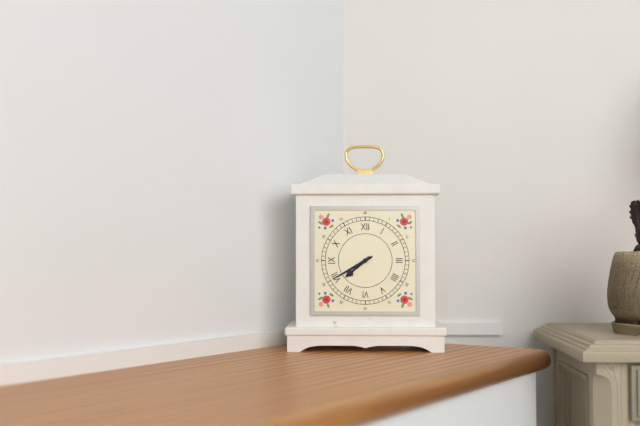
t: 7:40
